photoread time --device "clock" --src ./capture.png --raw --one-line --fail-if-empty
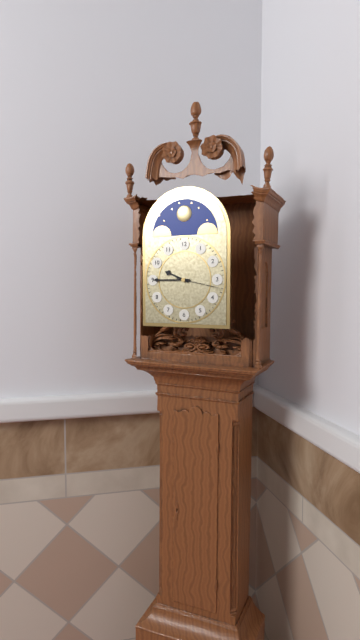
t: 9:45
